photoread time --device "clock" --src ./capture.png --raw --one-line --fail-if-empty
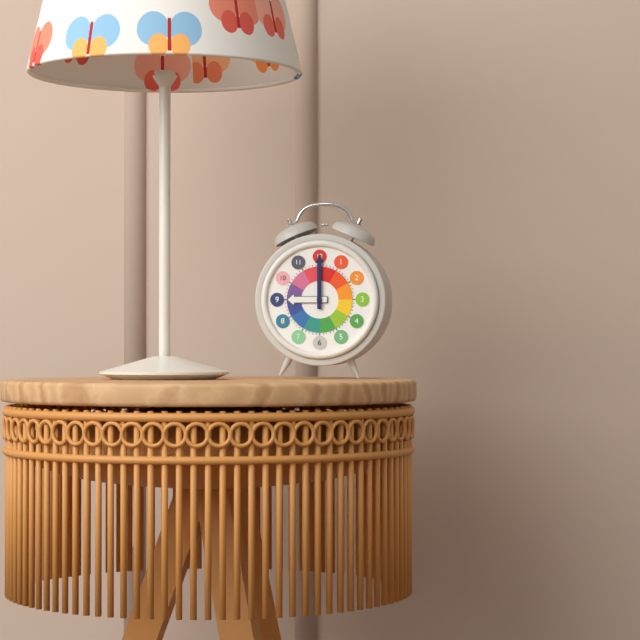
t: 9:00
